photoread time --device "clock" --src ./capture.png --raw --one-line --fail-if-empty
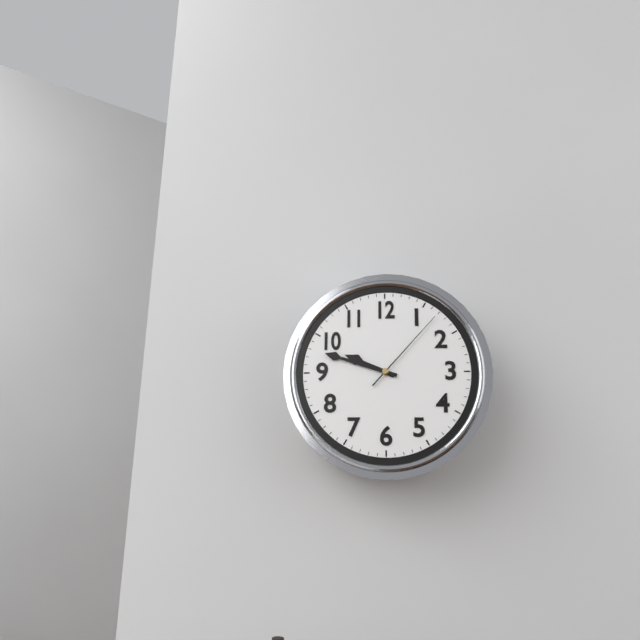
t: 9:48:07
